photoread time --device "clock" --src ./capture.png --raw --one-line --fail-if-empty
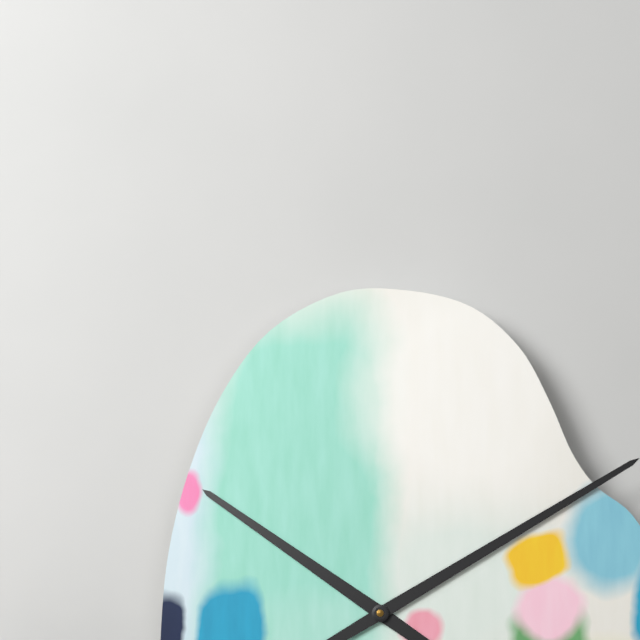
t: 10:10
